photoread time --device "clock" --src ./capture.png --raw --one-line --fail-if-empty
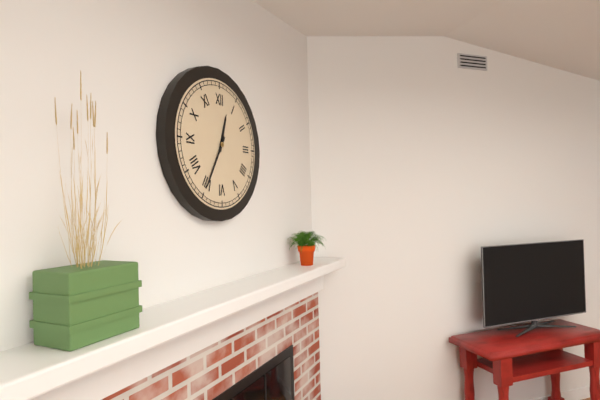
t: 12:35
